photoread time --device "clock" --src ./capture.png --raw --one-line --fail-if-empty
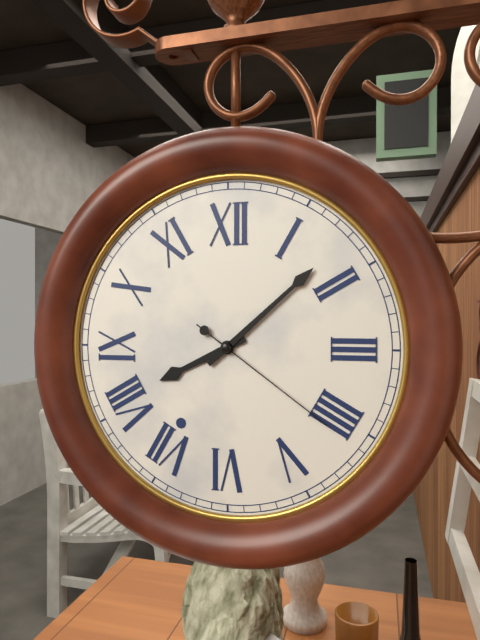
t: 8:08:21
